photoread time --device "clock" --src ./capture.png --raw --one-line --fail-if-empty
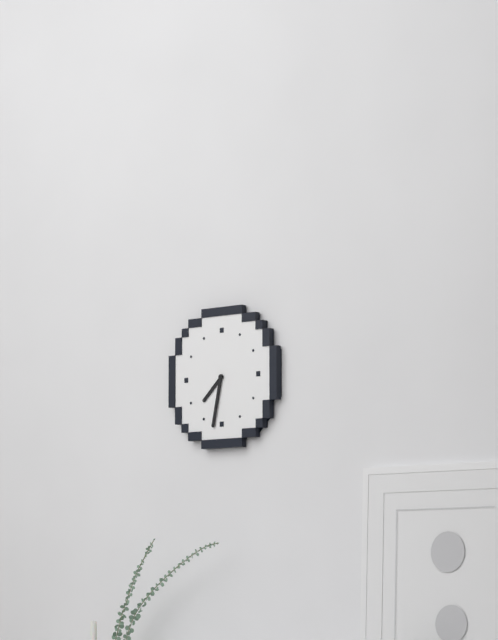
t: 7:32
